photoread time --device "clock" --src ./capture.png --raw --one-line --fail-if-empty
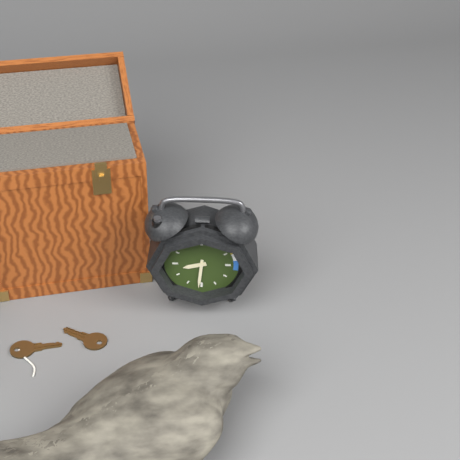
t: 8:31
